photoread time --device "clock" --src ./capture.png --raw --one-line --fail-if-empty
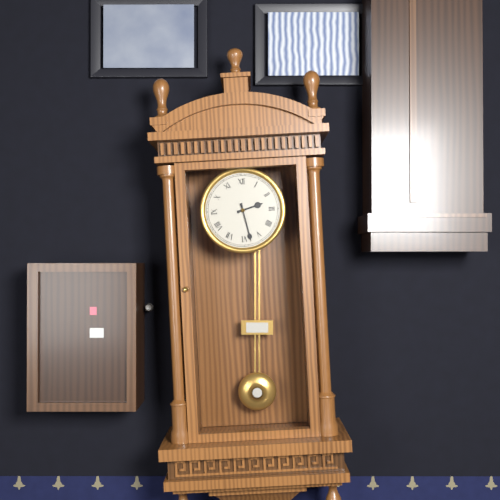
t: 2:28
